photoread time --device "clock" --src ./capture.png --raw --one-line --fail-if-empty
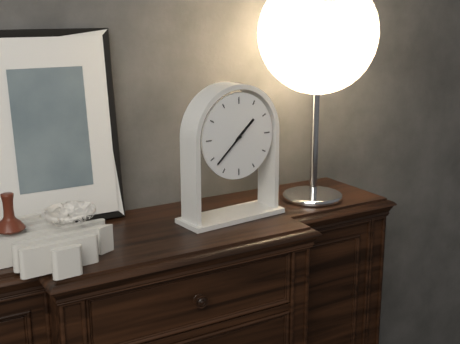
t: 1:38
